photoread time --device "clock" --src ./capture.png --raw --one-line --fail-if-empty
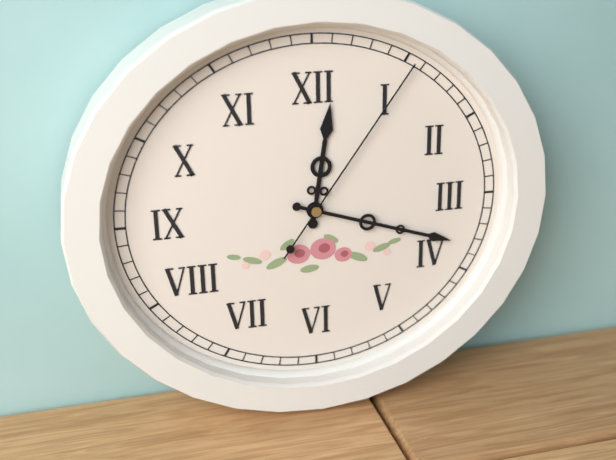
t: 12:18:06
